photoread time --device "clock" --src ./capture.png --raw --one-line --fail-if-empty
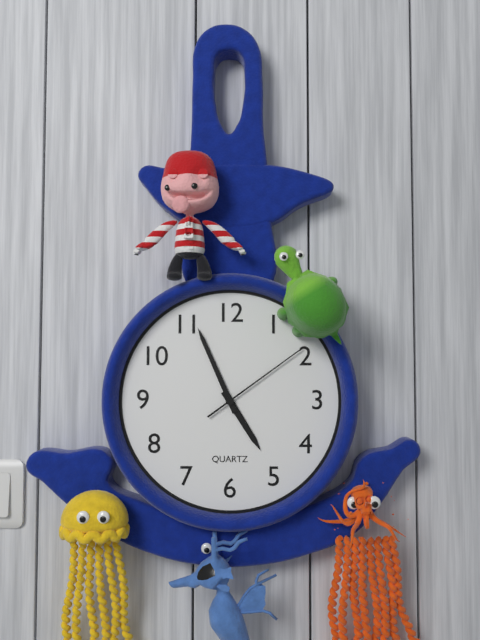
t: 4:56:09
